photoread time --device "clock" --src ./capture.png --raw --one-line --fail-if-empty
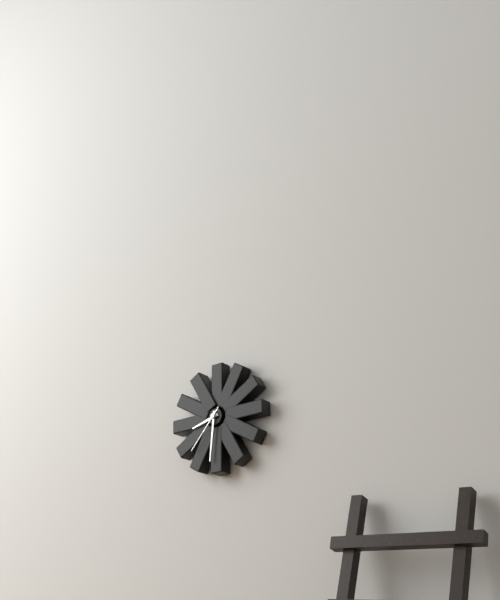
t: 8:31:37
